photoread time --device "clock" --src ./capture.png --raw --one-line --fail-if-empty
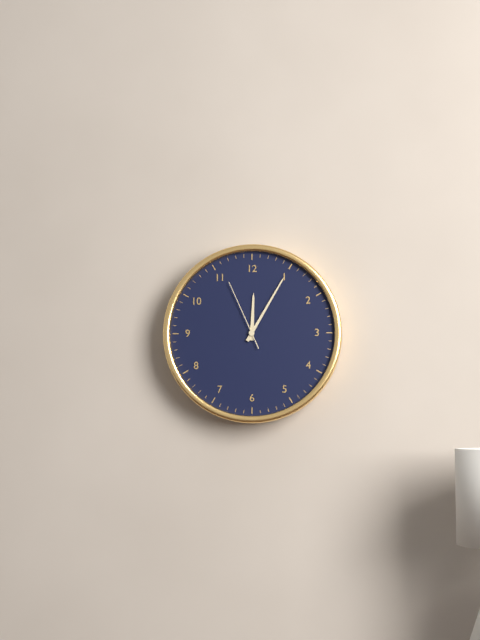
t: 12:05:56
